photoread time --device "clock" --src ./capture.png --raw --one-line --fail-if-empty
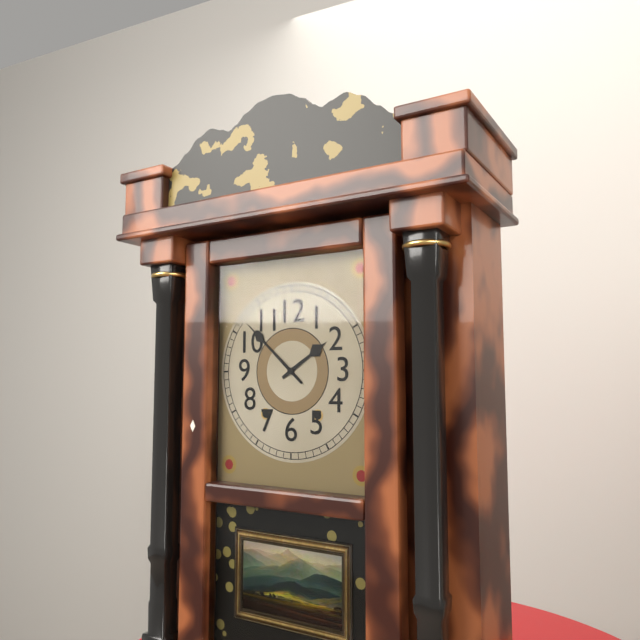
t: 1:52
